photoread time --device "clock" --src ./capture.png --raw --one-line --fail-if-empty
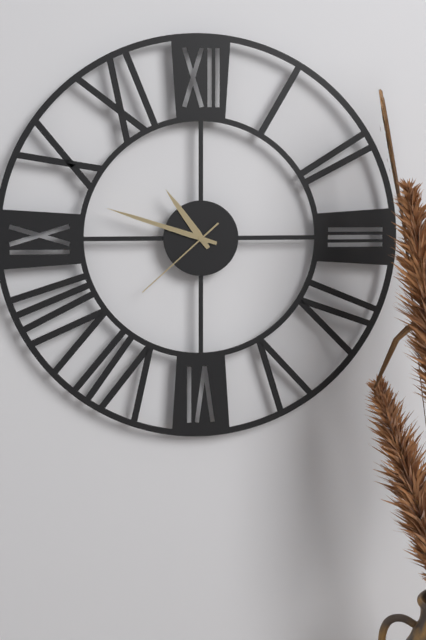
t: 10:48:38
